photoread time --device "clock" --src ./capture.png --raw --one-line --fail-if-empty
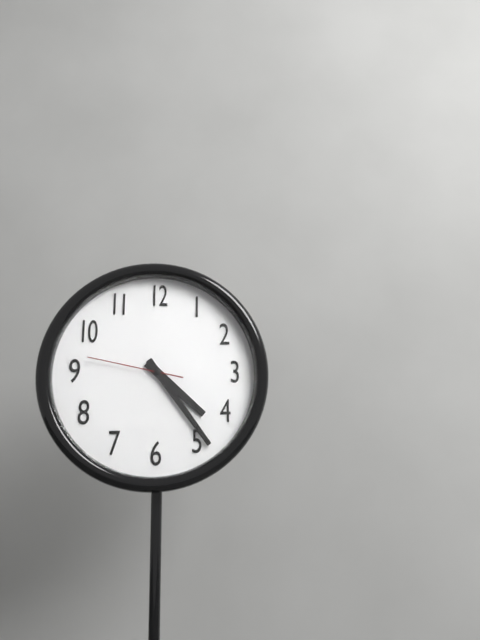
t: 4:24:47
